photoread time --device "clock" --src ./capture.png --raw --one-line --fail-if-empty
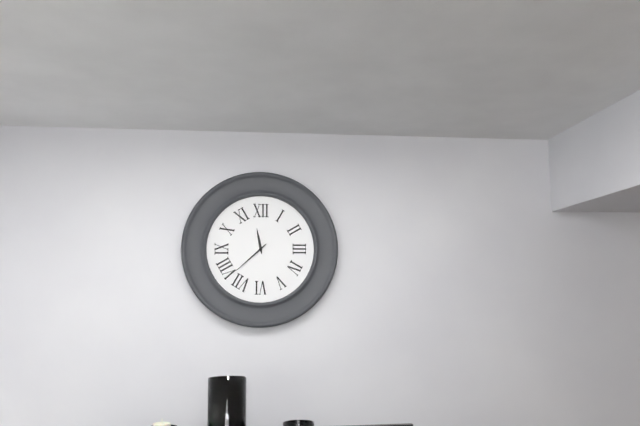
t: 11:38
